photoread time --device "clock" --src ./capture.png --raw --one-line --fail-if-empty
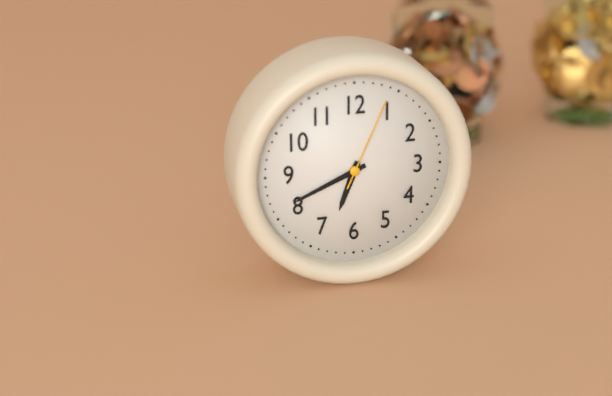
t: 6:41:04
